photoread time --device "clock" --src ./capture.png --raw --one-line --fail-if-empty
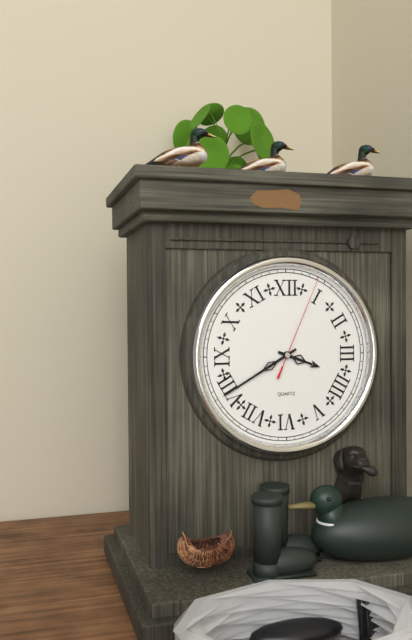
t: 3:40:04
